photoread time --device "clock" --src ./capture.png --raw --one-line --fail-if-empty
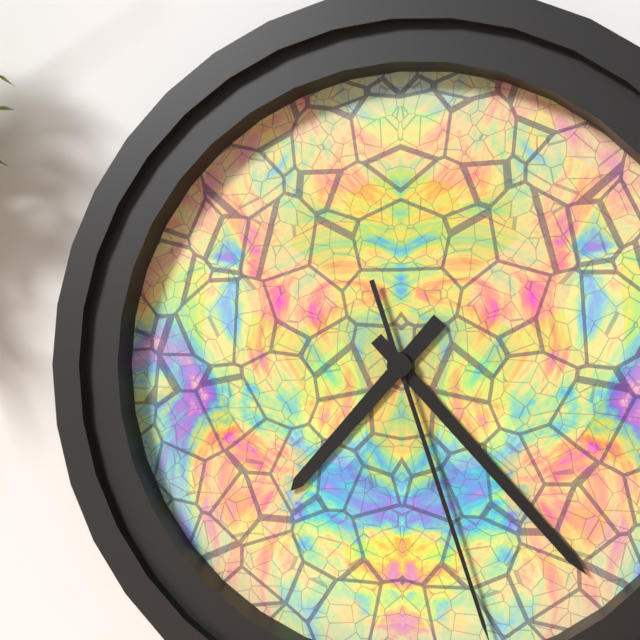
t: 7:23
